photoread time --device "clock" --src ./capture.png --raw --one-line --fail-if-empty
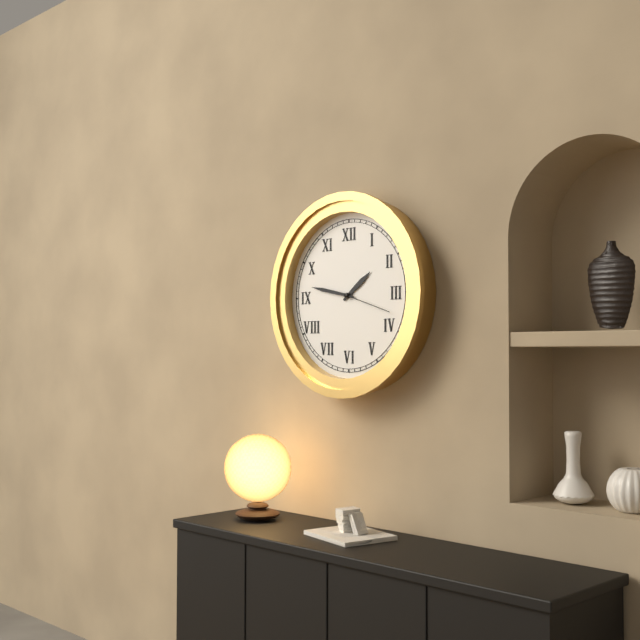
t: 1:47:18
